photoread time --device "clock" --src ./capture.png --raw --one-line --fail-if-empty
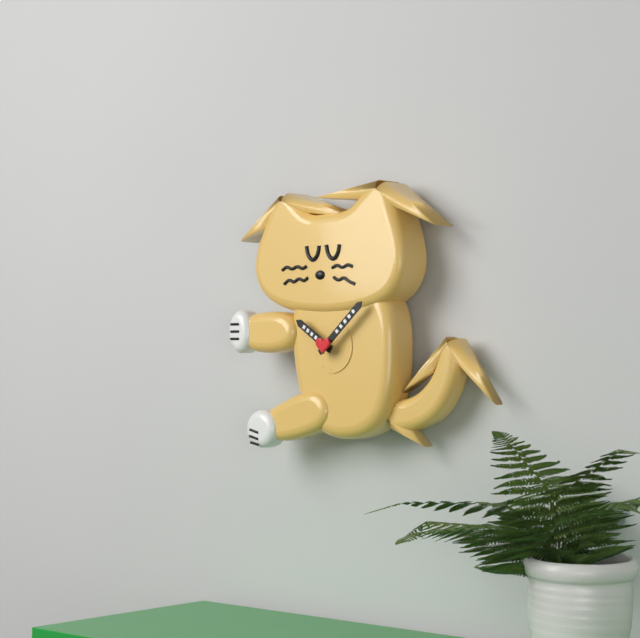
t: 10:08
